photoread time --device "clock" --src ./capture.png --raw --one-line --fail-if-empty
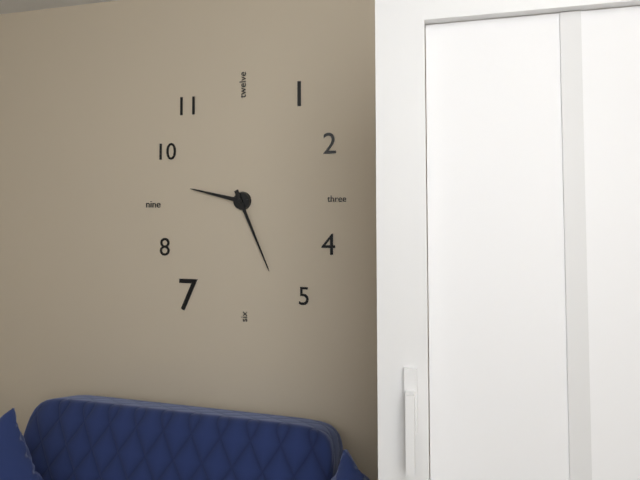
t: 9:26
